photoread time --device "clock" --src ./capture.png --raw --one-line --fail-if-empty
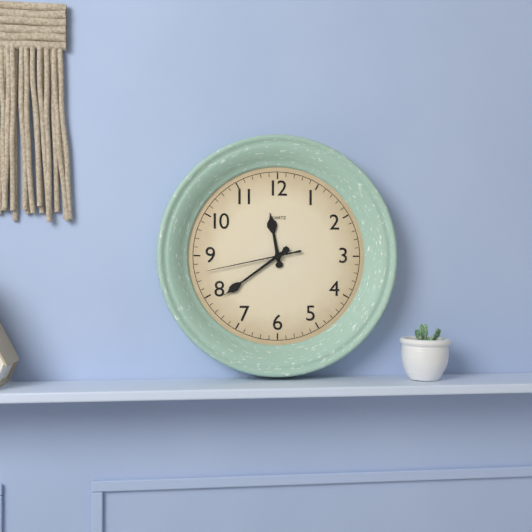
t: 11:39:43
